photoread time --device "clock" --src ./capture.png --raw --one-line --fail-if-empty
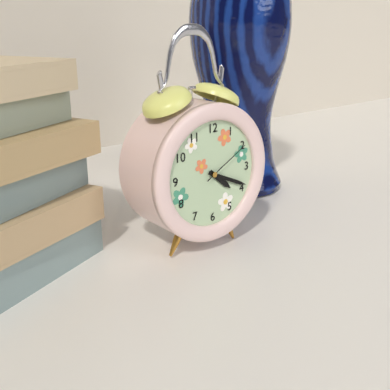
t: 4:19:10
